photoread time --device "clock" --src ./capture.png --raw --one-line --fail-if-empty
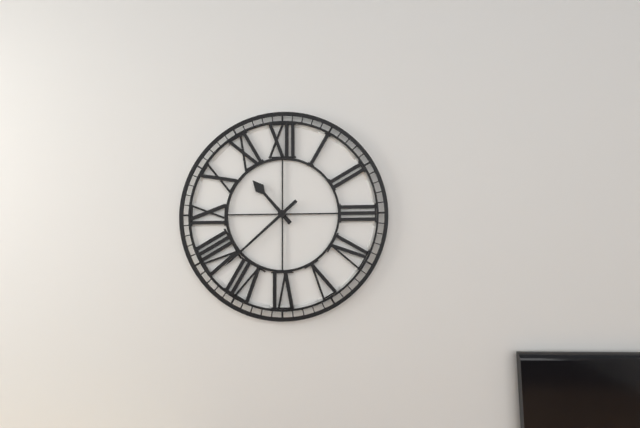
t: 10:38
